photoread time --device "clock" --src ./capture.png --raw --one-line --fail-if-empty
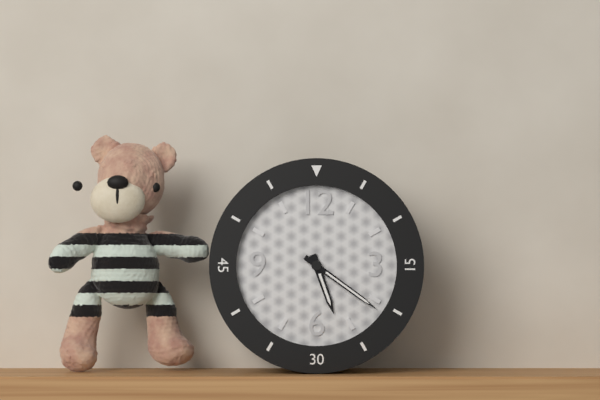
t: 5:21
